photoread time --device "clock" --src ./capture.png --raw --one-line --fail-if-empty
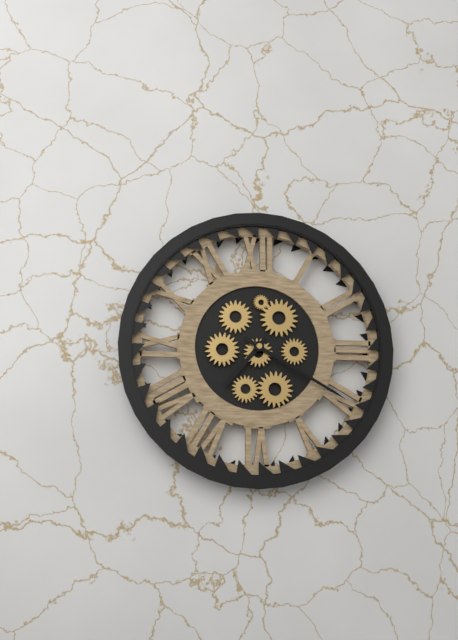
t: 7:20
